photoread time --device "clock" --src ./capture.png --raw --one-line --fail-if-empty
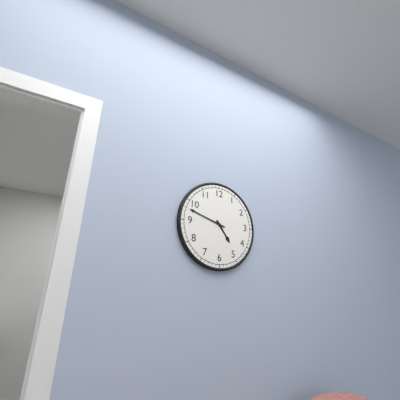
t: 4:48
